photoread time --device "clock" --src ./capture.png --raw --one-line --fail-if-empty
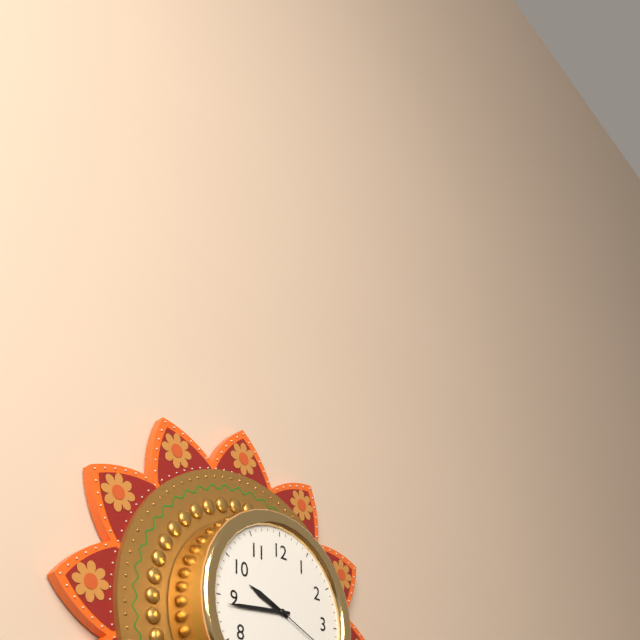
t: 9:44
